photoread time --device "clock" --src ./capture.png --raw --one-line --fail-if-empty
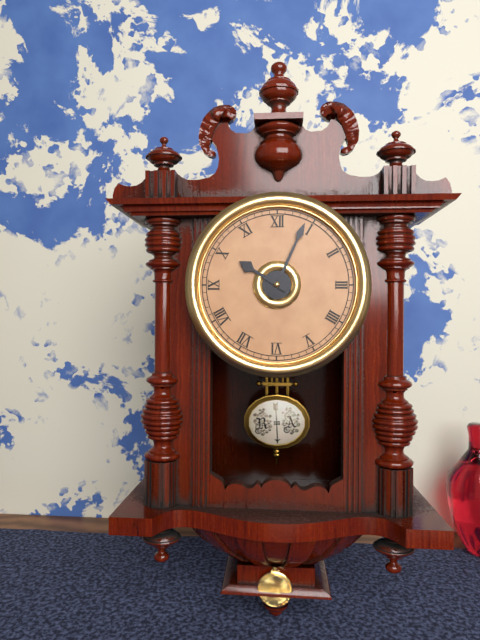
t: 10:04
